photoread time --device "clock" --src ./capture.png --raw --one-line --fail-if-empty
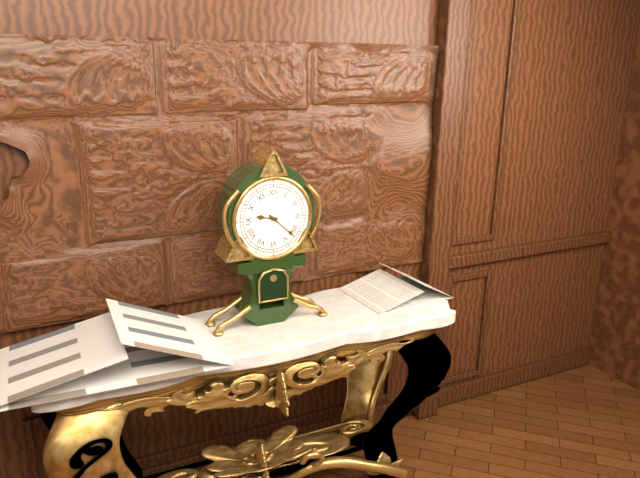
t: 9:22
